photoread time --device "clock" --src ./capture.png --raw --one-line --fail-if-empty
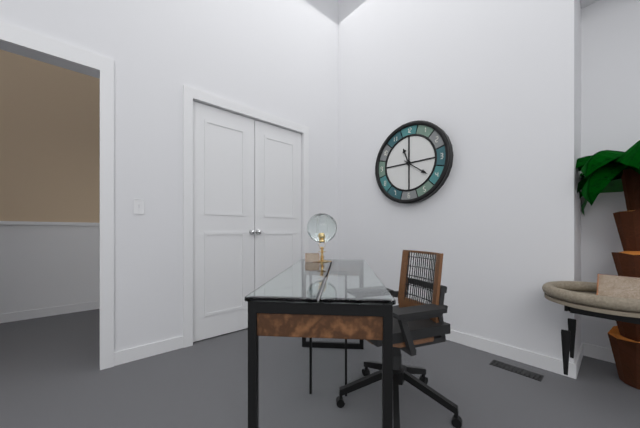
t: 11:21
